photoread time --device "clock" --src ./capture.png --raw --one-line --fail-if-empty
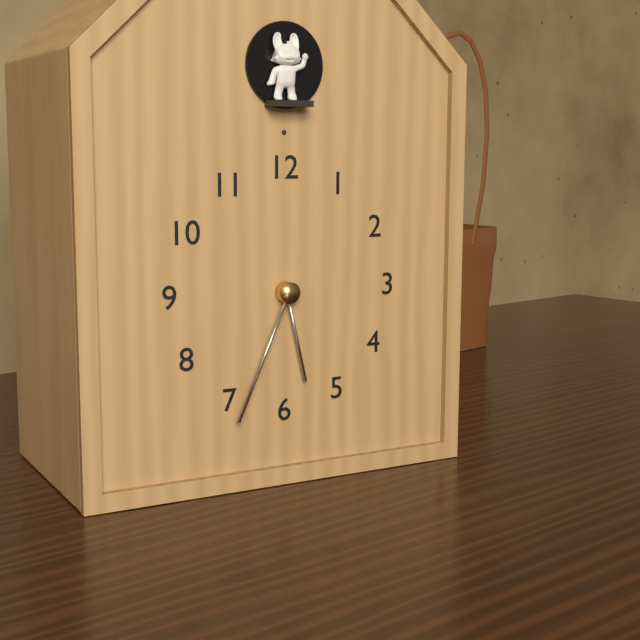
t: 5:34
